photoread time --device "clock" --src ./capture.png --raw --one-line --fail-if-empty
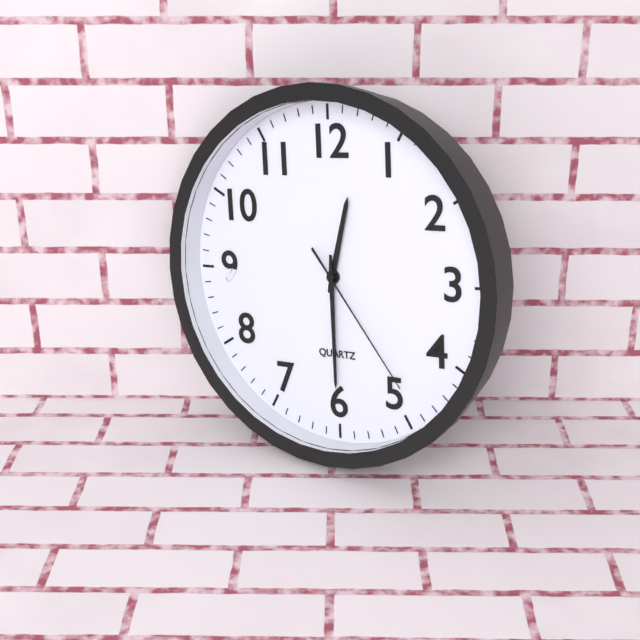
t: 12:30:24
